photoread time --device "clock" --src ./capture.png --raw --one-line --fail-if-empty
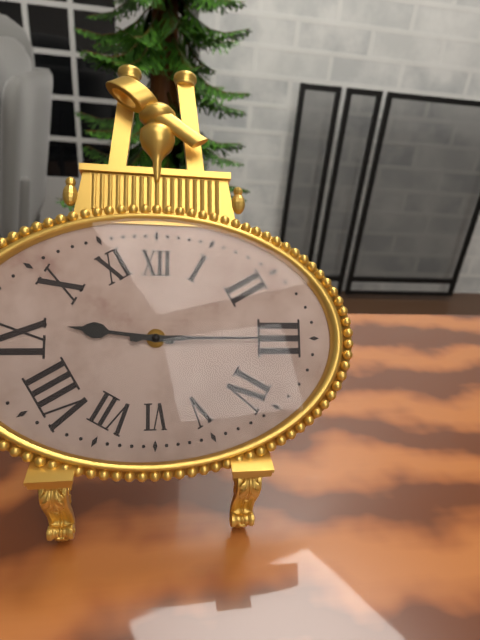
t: 9:15
